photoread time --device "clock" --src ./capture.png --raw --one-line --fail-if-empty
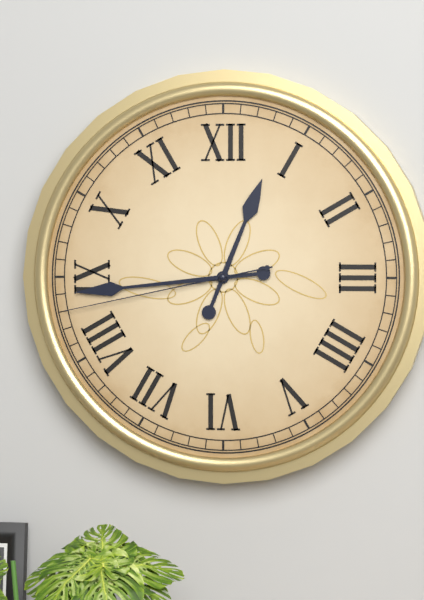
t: 12:44:43
